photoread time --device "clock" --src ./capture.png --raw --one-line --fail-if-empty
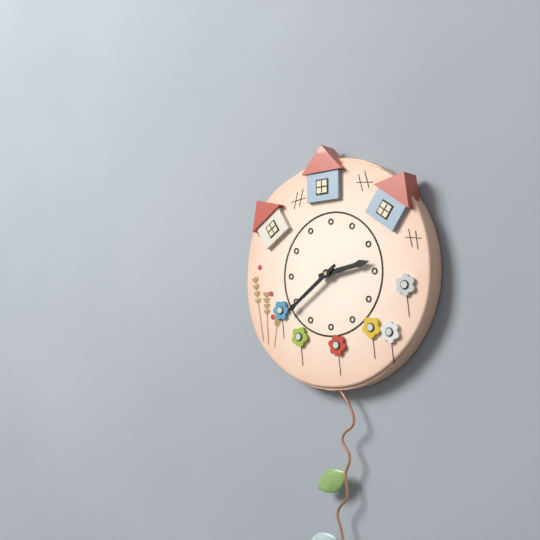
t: 2:39
